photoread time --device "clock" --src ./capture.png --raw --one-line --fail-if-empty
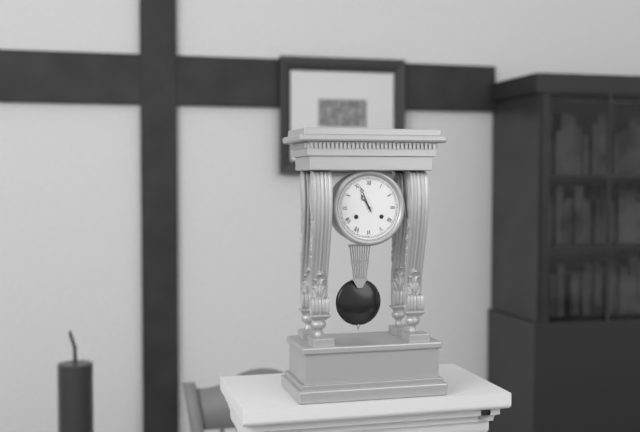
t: 10:56
